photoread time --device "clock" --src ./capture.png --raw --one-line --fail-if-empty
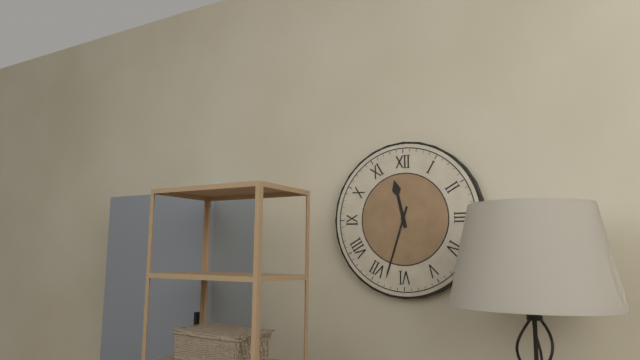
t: 11:33
